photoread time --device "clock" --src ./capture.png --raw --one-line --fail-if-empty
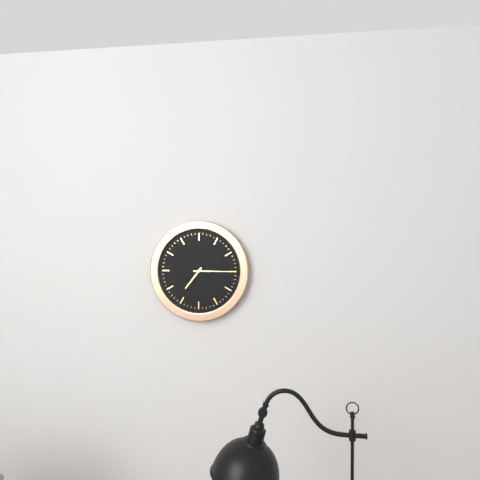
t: 7:15
